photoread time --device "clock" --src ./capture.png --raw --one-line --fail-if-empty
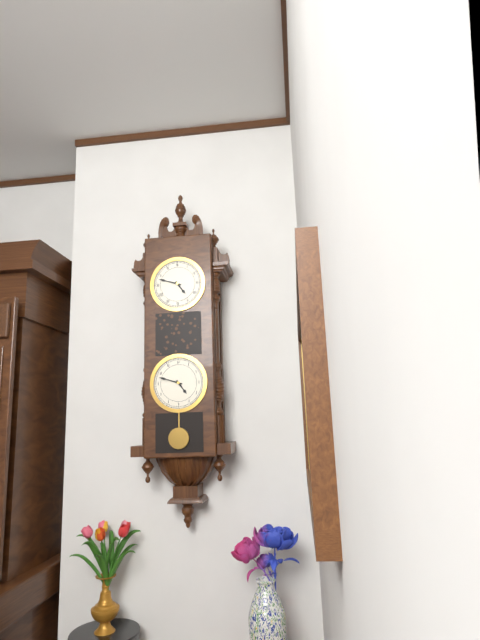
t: 4:48
